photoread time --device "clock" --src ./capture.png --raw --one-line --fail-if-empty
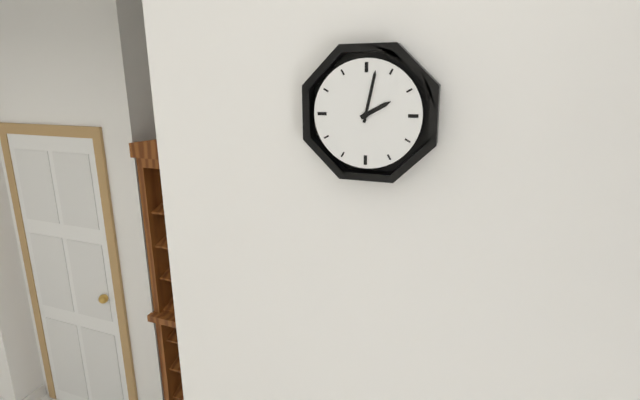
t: 2:02
